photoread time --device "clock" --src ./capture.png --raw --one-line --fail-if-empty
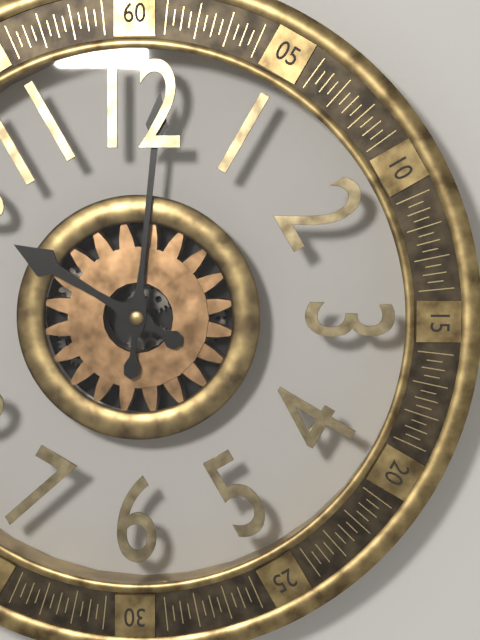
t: 10:01
